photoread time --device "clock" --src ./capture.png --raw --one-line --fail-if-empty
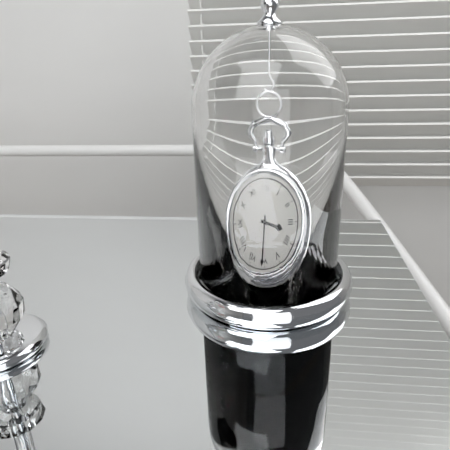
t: 3:31
